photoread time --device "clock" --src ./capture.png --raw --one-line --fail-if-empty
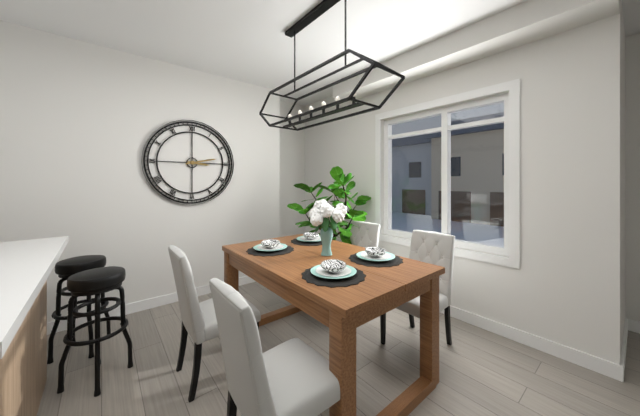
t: 3:13
